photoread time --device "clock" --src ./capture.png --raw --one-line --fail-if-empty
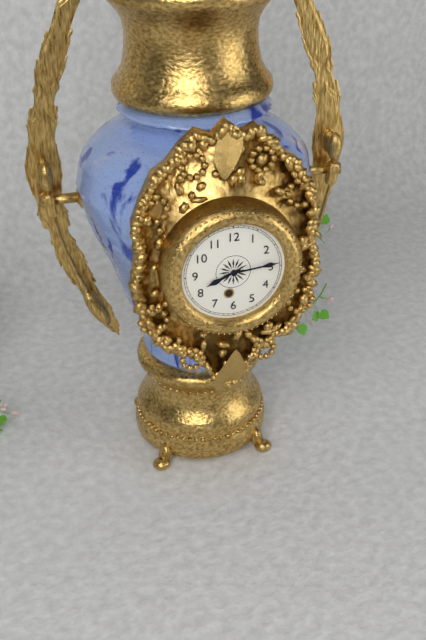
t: 8:14
